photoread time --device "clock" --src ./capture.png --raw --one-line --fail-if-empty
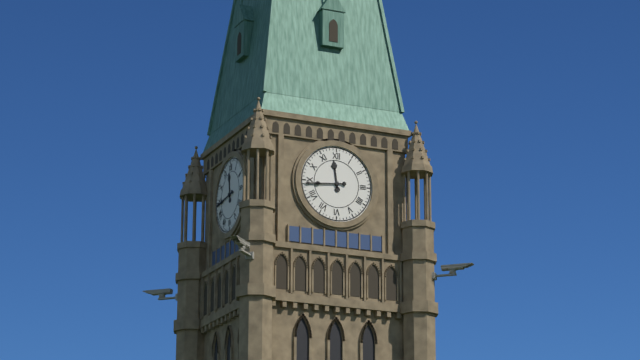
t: 11:44
